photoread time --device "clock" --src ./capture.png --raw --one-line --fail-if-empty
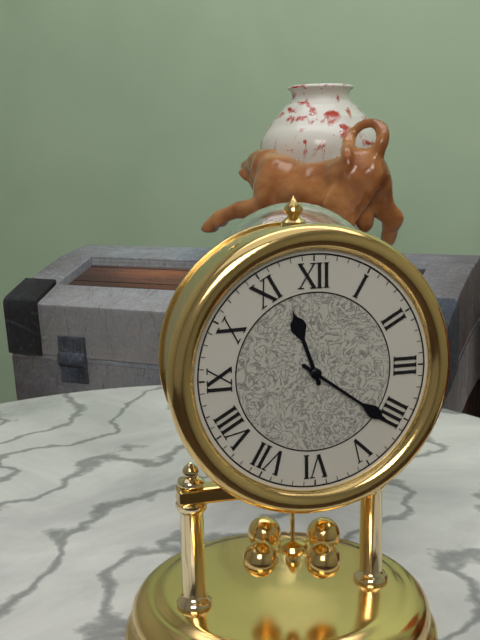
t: 11:21
